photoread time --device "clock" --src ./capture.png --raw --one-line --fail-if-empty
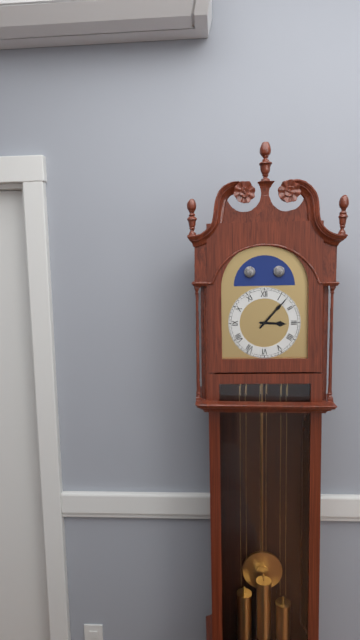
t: 3:07
